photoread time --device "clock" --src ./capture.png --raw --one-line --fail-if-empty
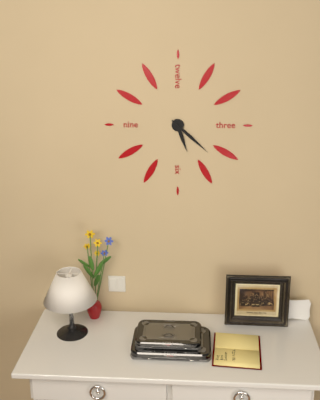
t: 5:22
